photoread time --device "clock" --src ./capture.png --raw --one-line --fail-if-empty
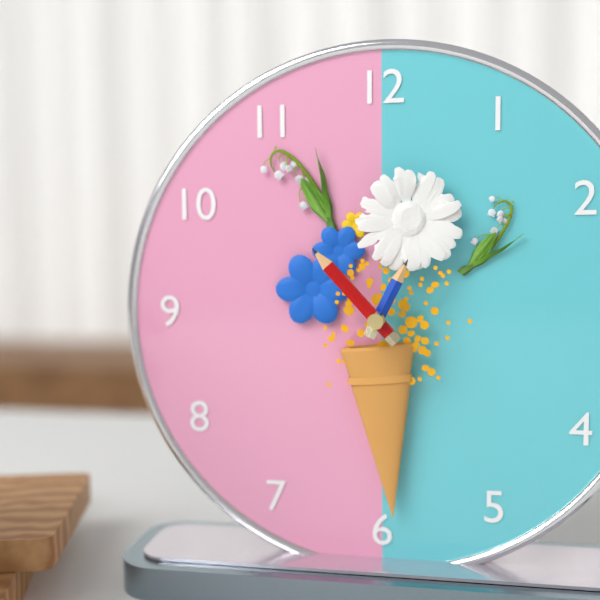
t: 12:53
